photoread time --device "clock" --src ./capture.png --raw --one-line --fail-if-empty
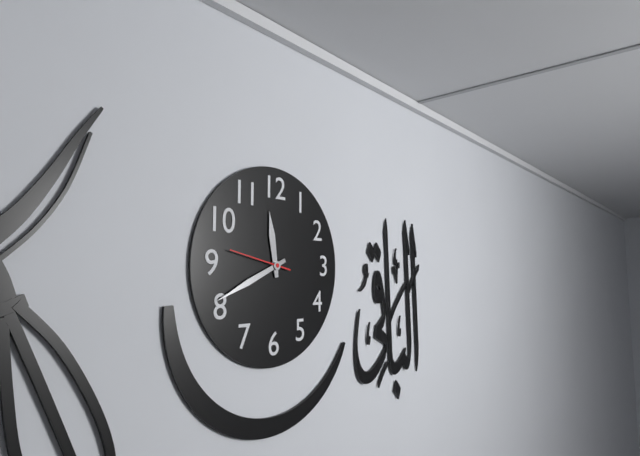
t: 11:41:47
